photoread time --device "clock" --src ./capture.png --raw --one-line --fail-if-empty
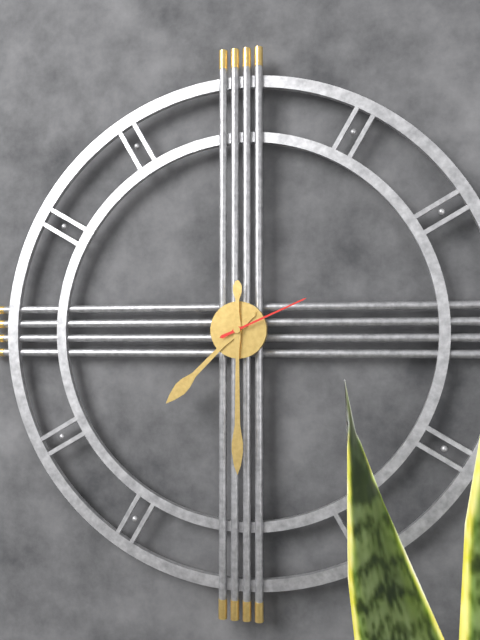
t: 7:30:11
